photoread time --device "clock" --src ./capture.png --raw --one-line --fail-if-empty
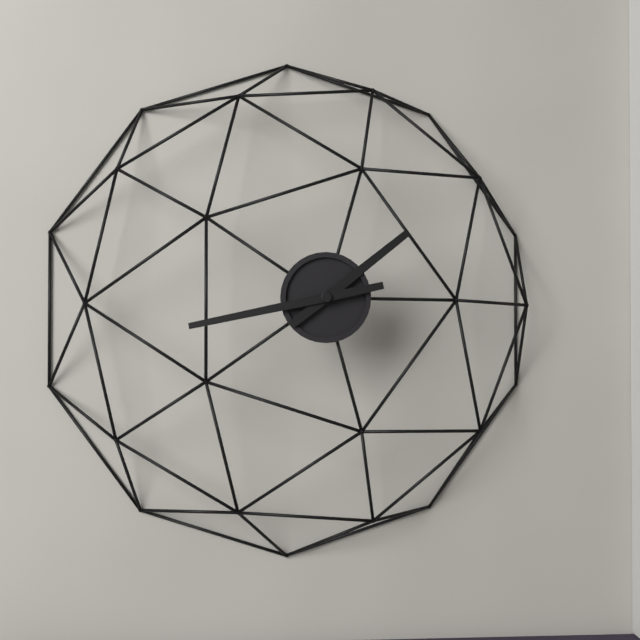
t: 1:43
